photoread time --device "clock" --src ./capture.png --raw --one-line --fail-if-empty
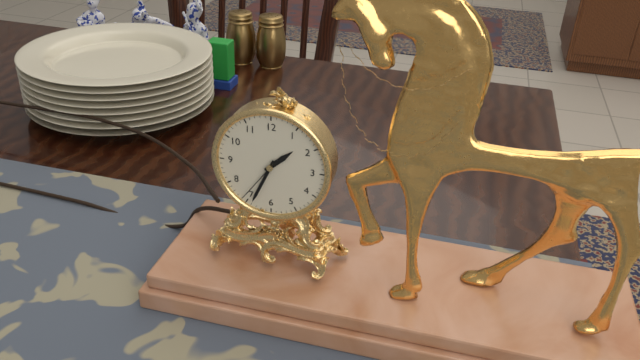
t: 1:34:36
